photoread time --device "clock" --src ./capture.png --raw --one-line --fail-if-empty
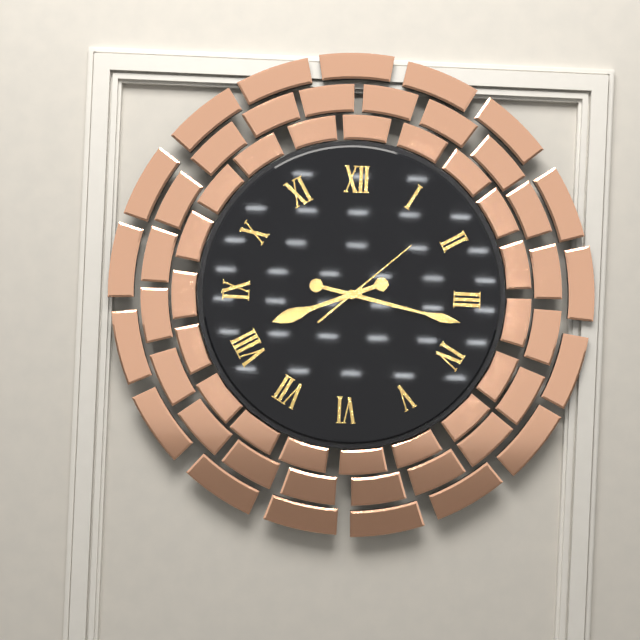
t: 8:17:08
